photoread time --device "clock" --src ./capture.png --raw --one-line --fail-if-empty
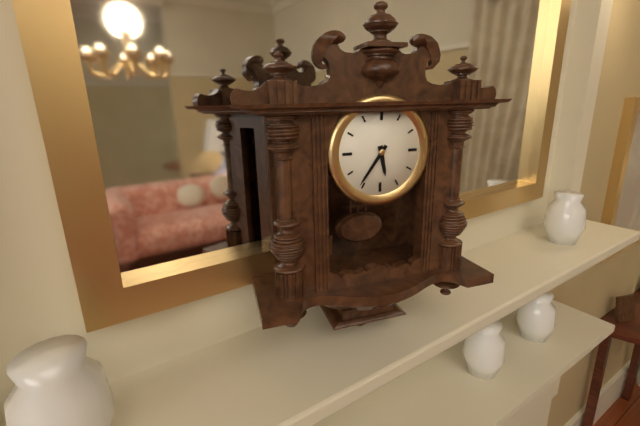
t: 5:36
